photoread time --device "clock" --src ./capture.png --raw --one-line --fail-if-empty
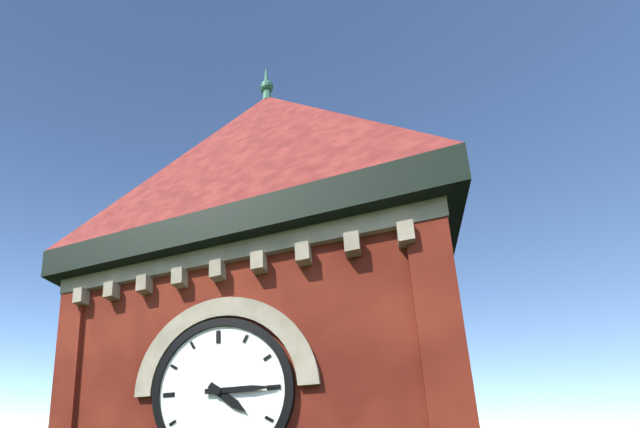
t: 4:15
